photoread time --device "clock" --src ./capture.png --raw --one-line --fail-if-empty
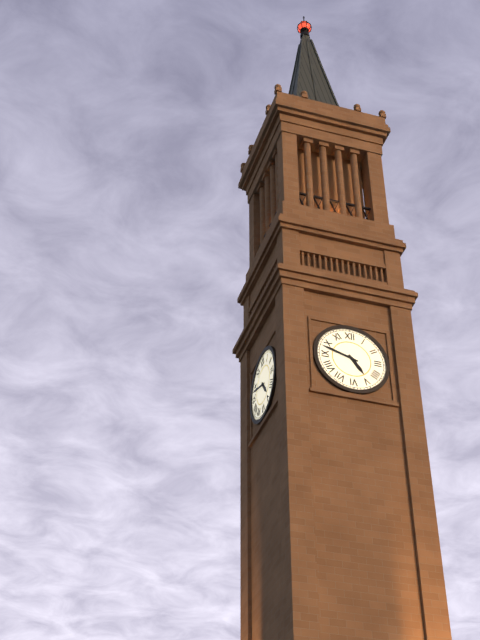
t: 4:48
